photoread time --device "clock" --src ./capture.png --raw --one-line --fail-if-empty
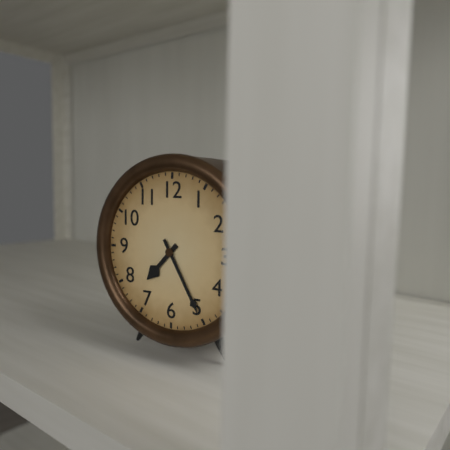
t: 7:25
